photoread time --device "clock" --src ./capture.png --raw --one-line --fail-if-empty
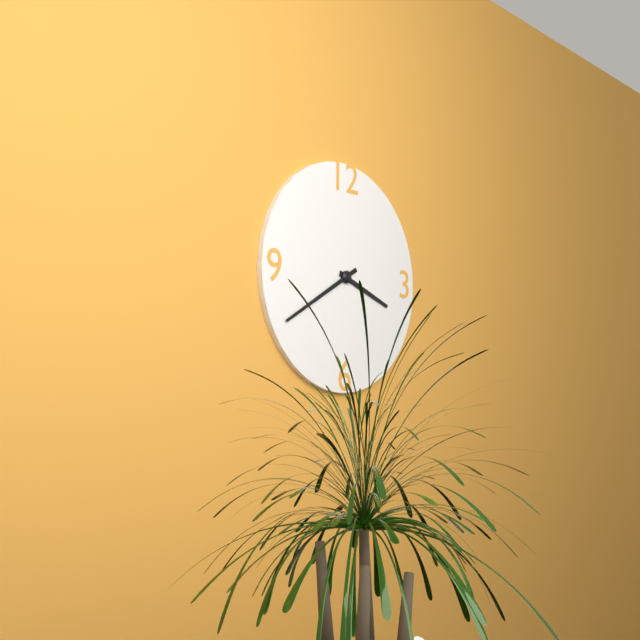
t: 3:40
